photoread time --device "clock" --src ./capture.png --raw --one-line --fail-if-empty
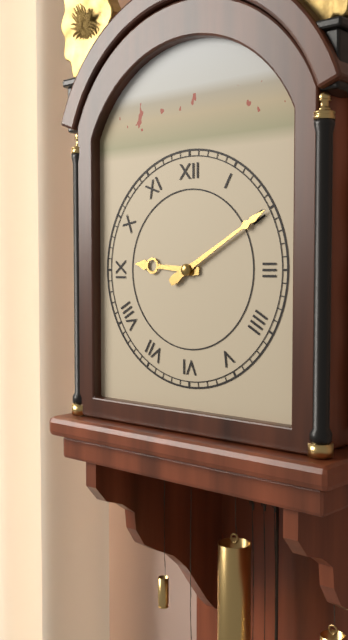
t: 9:10
